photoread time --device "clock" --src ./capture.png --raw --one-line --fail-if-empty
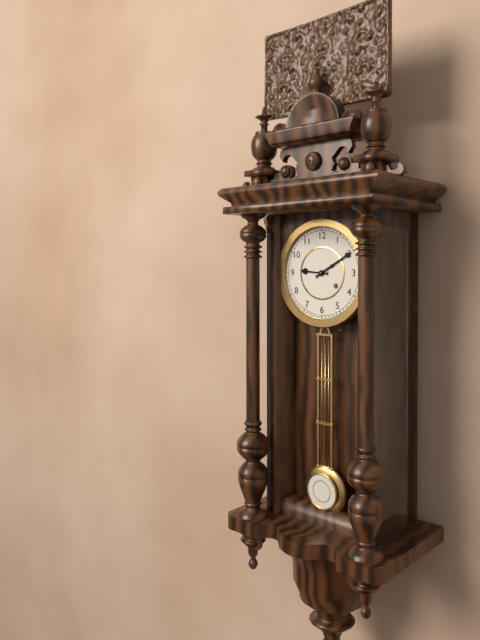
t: 9:10
